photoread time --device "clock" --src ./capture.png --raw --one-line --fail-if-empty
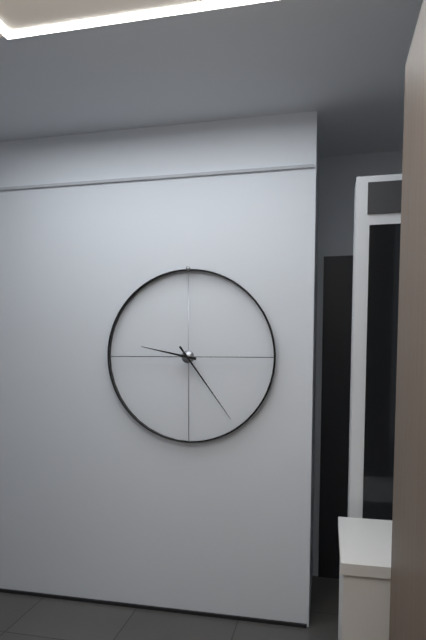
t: 9:24
